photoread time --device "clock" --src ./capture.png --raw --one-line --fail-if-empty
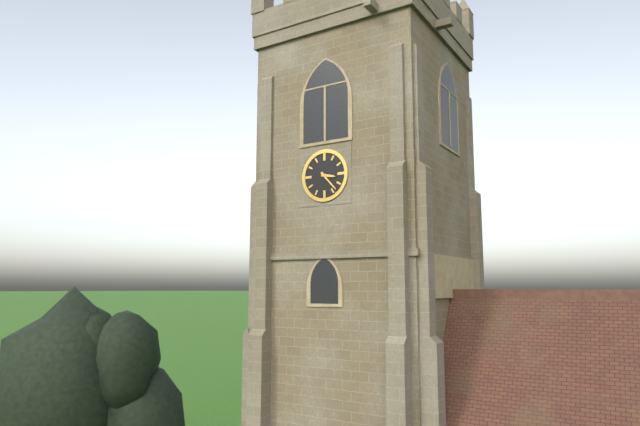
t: 3:23
